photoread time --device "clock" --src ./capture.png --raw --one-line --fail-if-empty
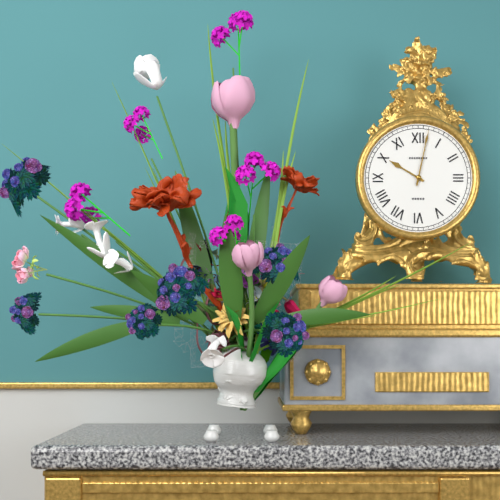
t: 10:02
